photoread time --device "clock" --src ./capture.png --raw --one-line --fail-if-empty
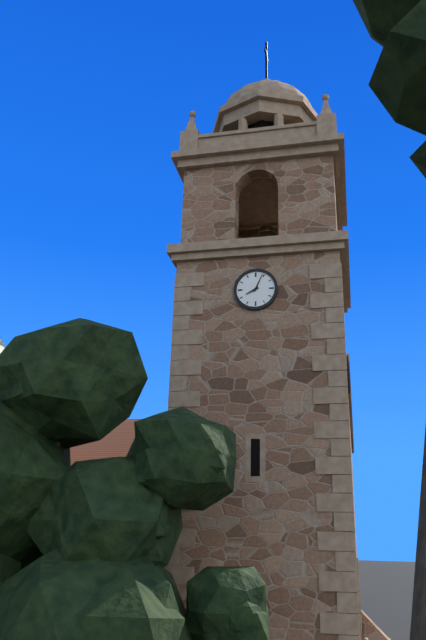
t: 8:04
